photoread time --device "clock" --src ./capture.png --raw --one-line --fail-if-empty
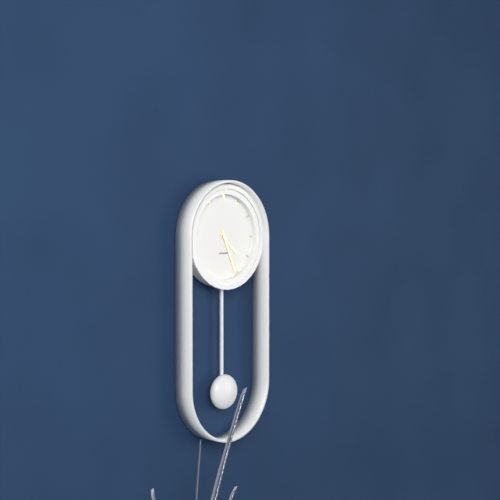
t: 4:26
